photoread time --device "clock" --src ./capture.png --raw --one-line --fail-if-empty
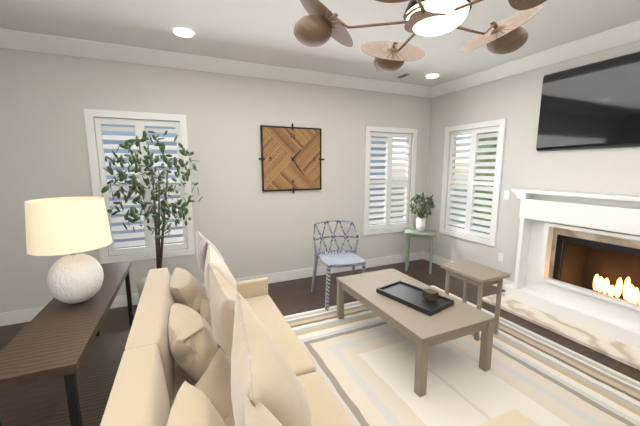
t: 1:24
